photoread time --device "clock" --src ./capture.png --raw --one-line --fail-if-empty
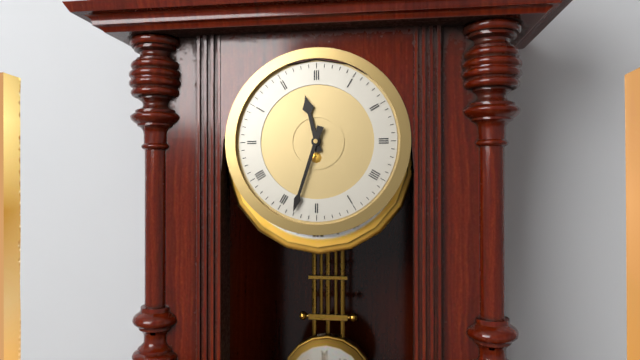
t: 11:33
